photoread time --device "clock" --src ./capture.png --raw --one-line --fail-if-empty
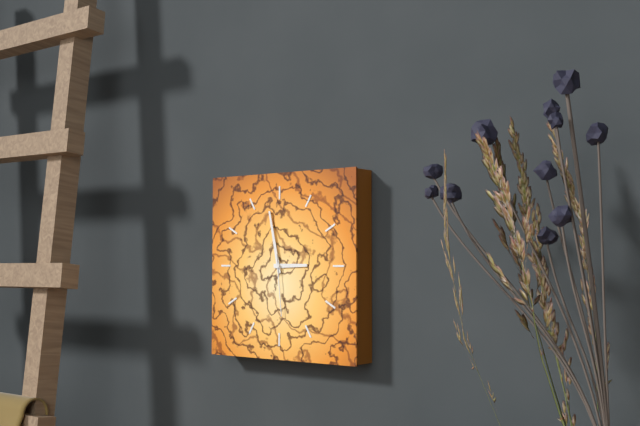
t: 2:58:29
